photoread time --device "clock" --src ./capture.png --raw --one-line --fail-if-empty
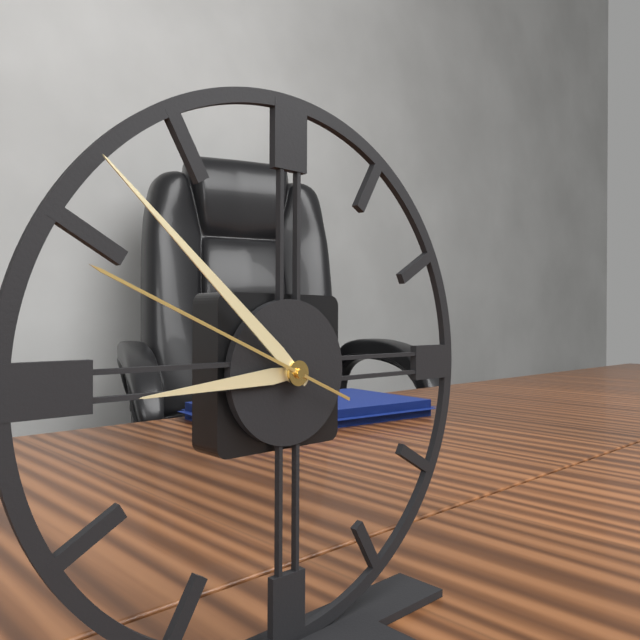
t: 8:52:49
